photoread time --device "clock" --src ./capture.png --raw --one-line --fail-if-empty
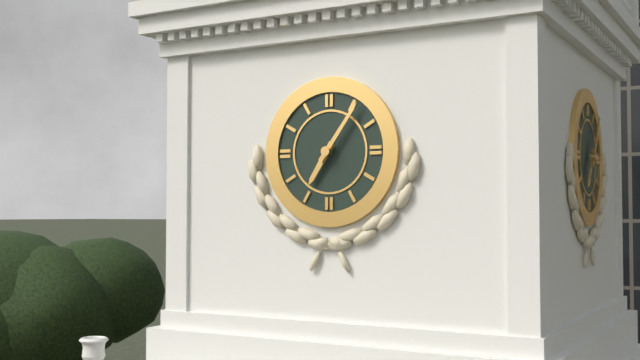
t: 7:06
